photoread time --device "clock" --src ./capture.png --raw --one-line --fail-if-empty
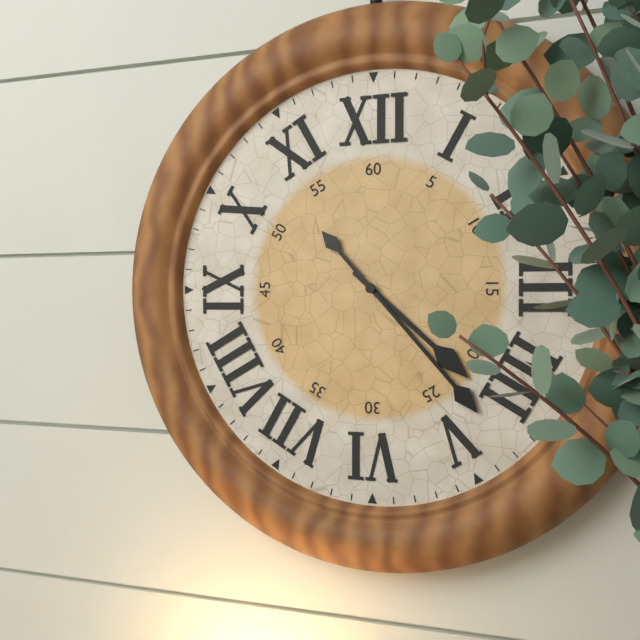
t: 4:23
